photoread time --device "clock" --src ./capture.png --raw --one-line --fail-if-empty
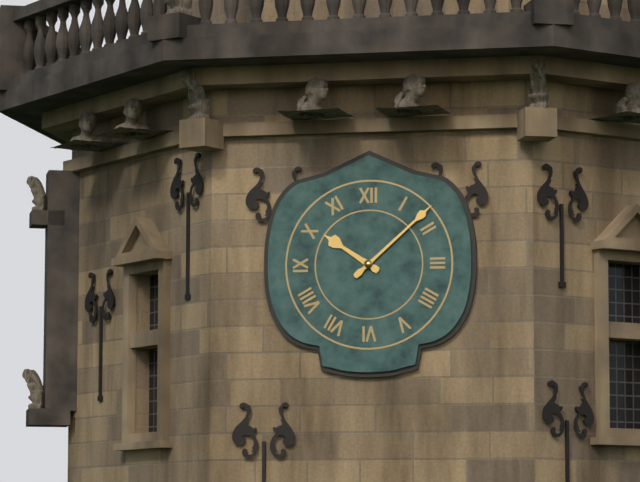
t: 10:08
